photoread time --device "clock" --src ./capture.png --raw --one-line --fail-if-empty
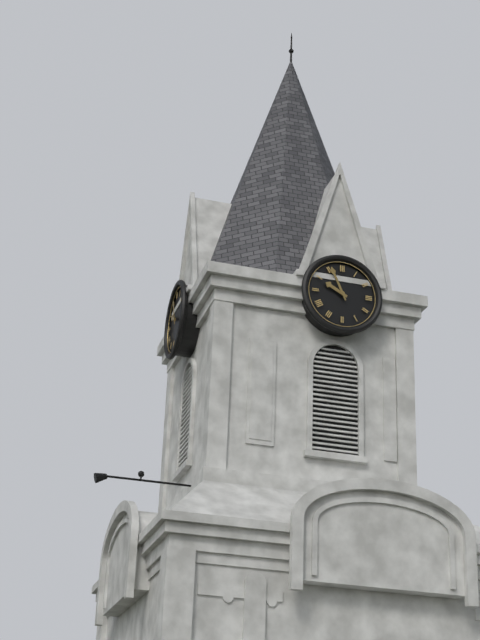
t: 9:56
